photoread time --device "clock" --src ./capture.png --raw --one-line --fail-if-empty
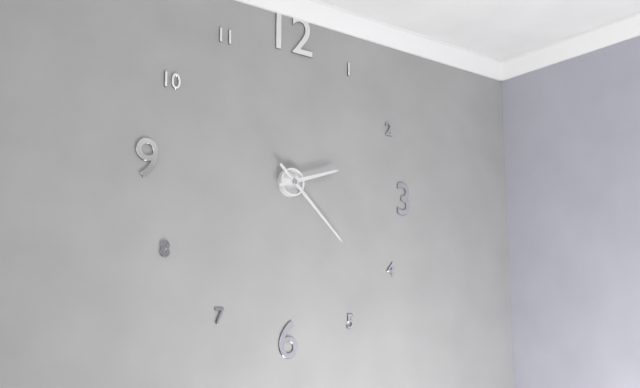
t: 2:22
